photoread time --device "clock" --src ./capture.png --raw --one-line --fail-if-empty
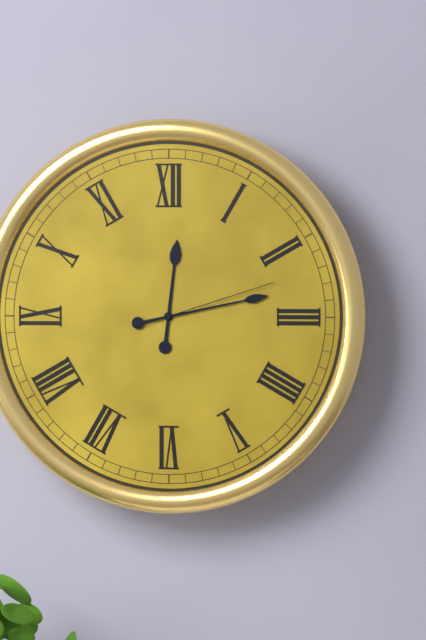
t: 12:13:12
